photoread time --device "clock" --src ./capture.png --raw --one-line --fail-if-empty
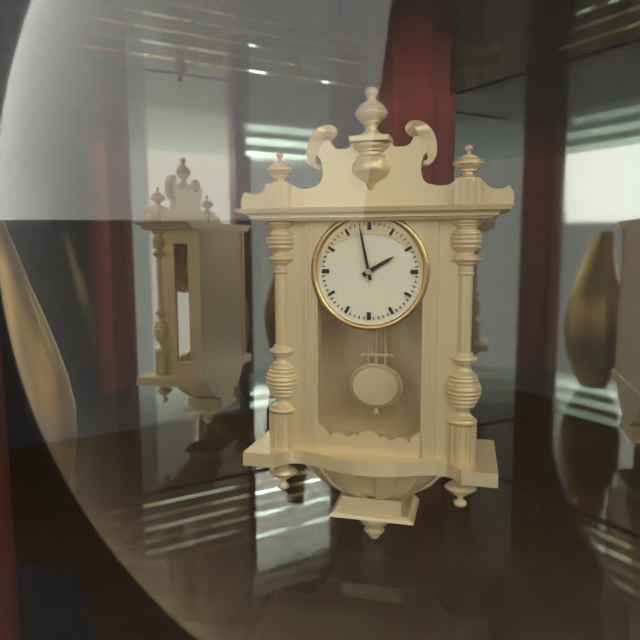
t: 1:58
